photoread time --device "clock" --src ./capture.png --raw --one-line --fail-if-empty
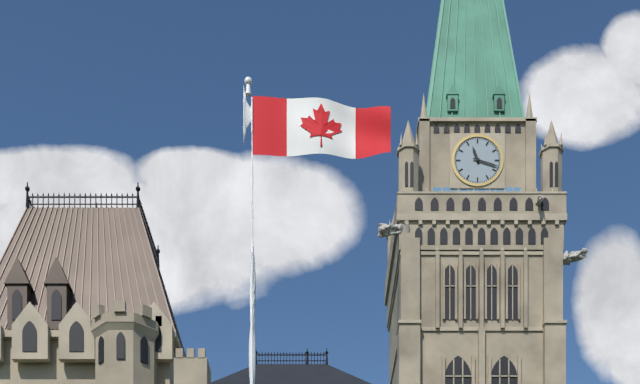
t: 11:18
